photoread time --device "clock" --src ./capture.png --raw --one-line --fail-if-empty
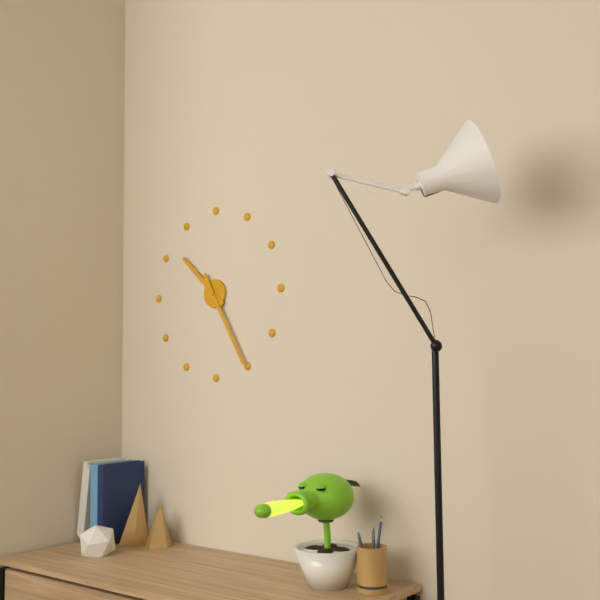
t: 10:25
